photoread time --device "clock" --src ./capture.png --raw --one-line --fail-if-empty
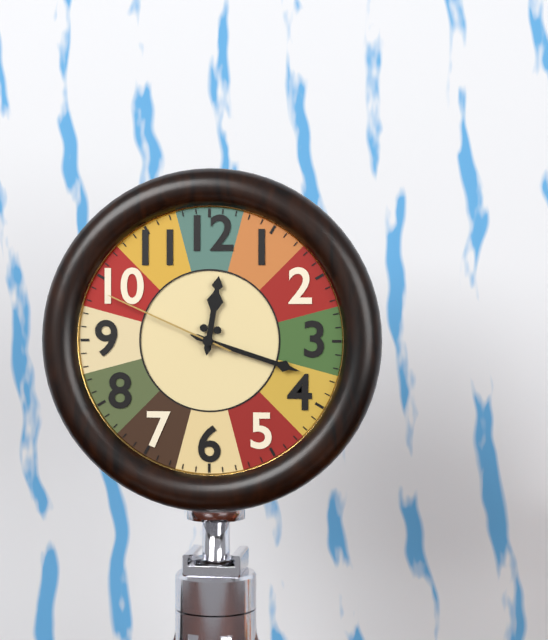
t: 12:18:49
